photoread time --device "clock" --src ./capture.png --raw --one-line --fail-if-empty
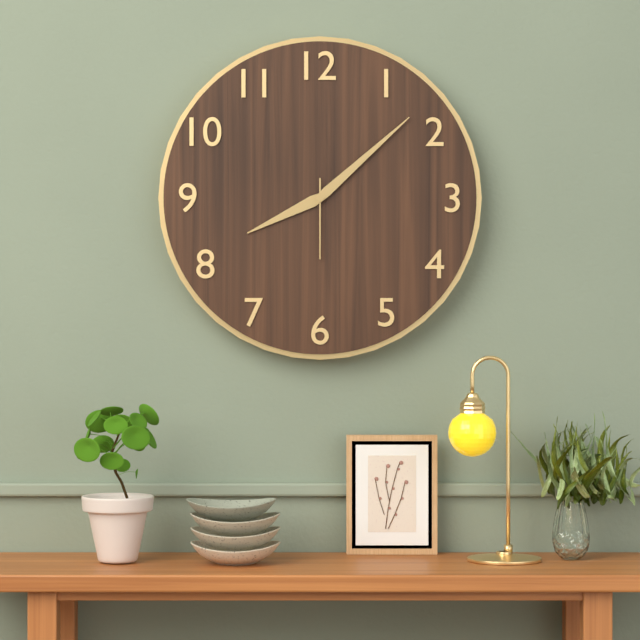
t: 8:08:30
